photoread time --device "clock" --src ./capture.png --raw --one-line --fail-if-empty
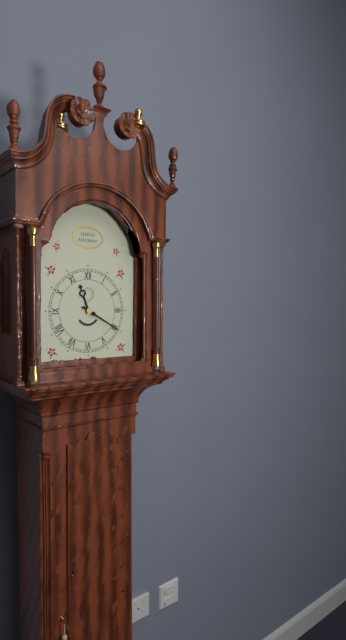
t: 11:20
